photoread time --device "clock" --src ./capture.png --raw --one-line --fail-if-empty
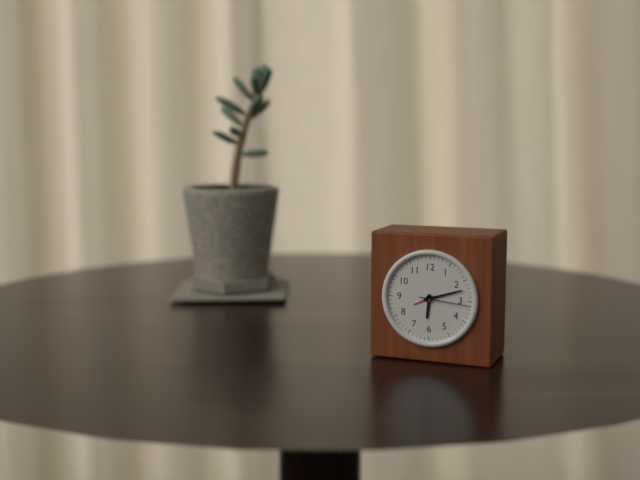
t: 6:12:16
